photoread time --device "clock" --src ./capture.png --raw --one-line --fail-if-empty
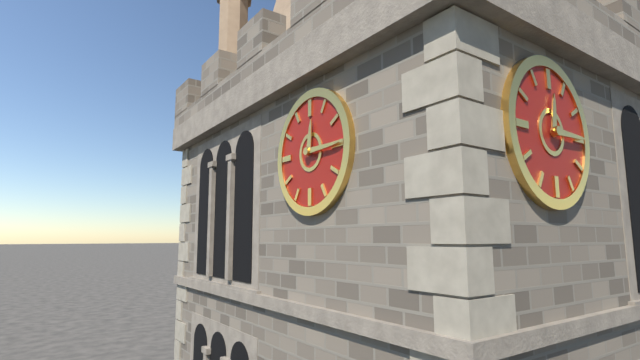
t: 12:15
